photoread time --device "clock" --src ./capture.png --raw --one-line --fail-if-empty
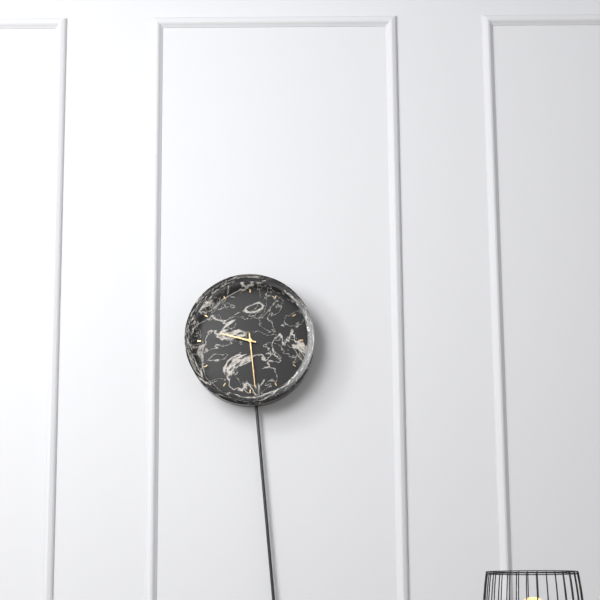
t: 9:29
